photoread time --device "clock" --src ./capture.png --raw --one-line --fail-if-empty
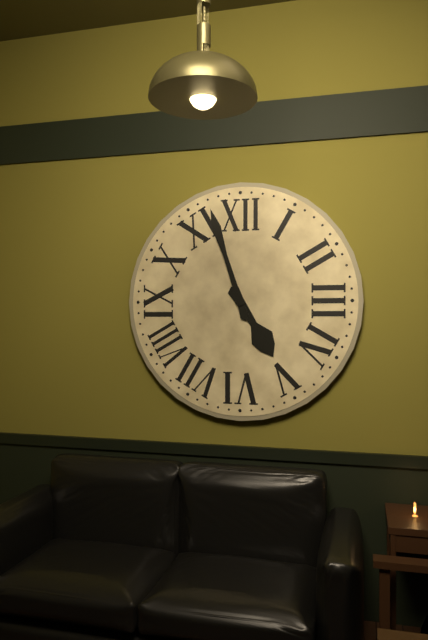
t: 4:57
